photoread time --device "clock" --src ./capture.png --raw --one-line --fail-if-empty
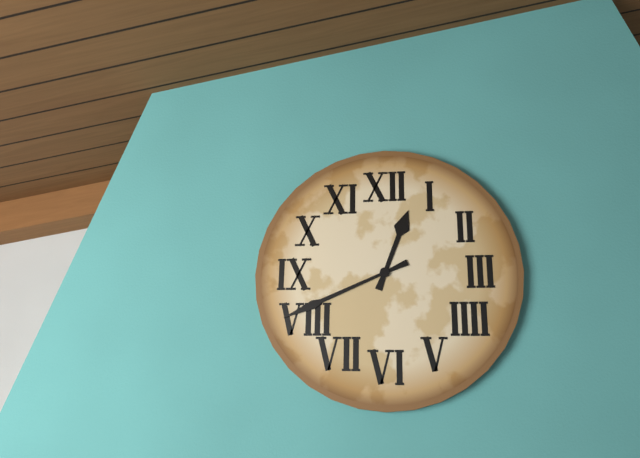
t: 12:41
